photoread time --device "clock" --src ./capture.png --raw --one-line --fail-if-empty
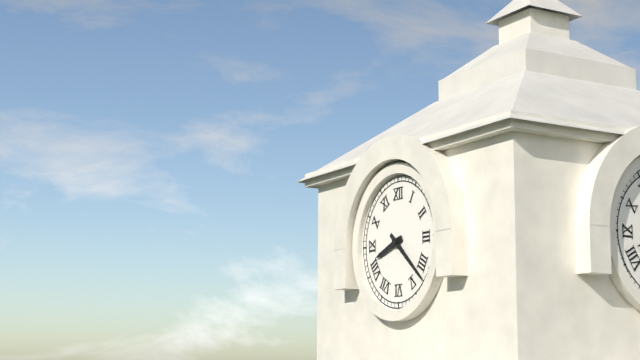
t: 8:22
